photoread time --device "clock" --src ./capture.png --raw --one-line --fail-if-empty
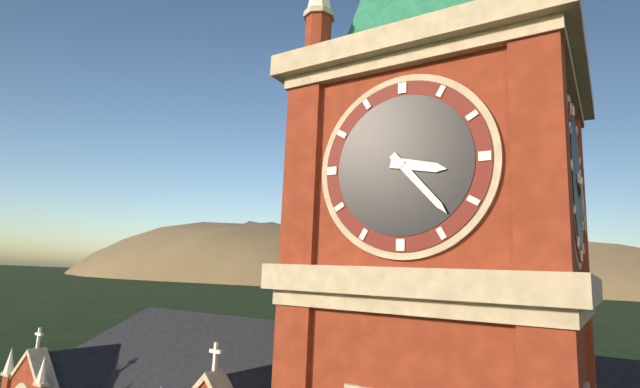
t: 3:23
